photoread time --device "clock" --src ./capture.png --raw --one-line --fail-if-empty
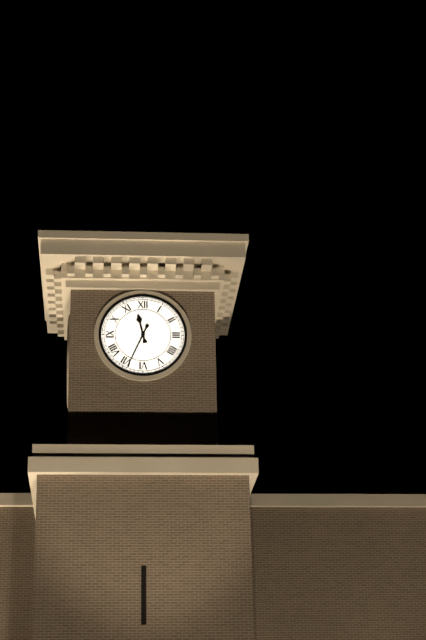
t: 11:34
